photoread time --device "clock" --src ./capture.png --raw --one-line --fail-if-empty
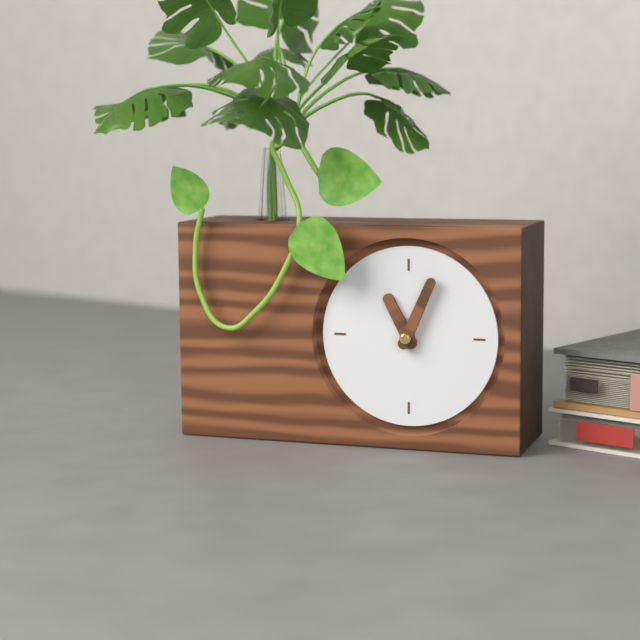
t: 11:04
